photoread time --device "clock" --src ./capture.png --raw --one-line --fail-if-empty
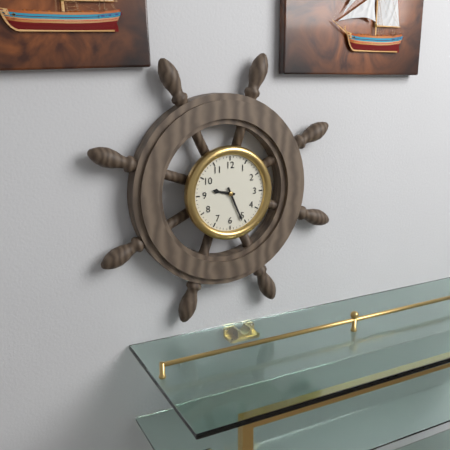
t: 9:26
